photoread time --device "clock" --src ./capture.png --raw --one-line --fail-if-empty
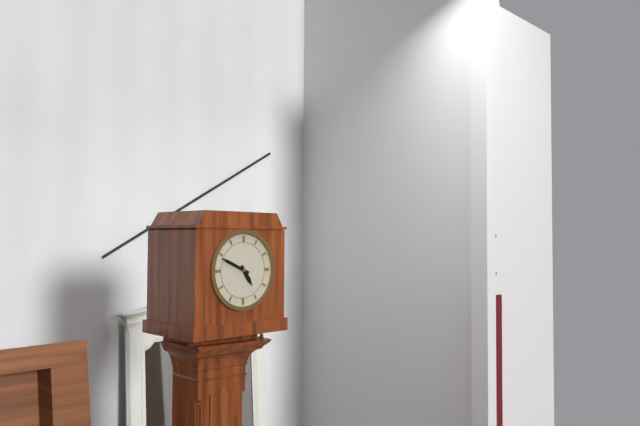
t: 4:49
